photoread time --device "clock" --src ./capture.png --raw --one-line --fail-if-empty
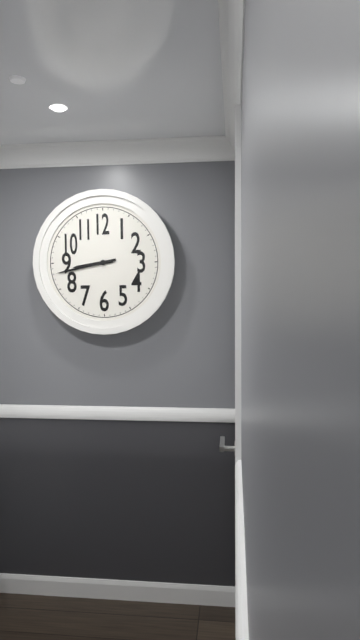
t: 8:43
